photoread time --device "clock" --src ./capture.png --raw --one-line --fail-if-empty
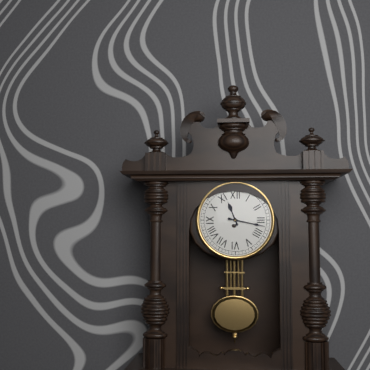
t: 11:17
